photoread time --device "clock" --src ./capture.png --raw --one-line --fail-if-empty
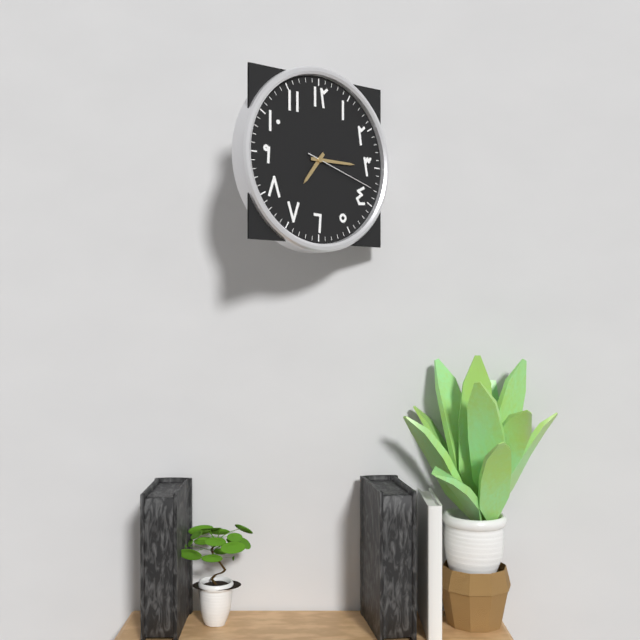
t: 7:15:18
